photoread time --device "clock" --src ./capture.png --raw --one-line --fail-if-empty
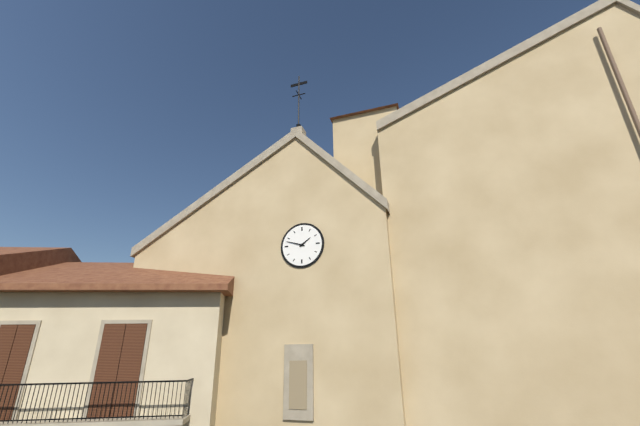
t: 1:48
